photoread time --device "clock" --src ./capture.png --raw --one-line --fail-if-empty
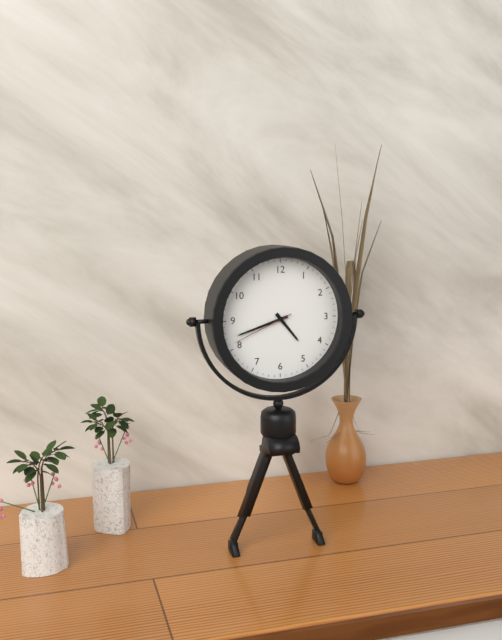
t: 4:42:41
